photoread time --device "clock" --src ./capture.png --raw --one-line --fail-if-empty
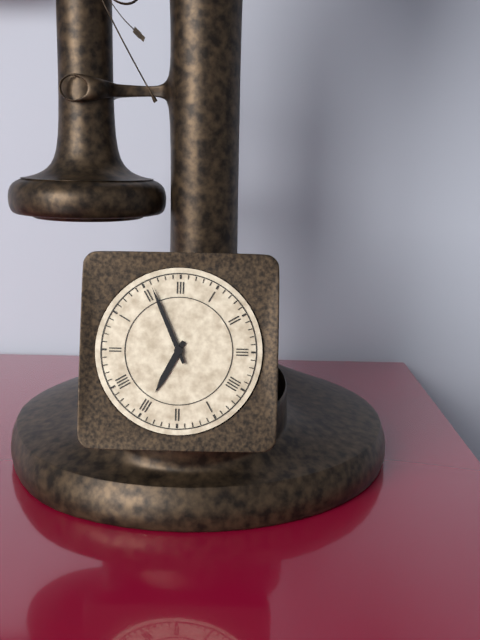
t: 6:56
